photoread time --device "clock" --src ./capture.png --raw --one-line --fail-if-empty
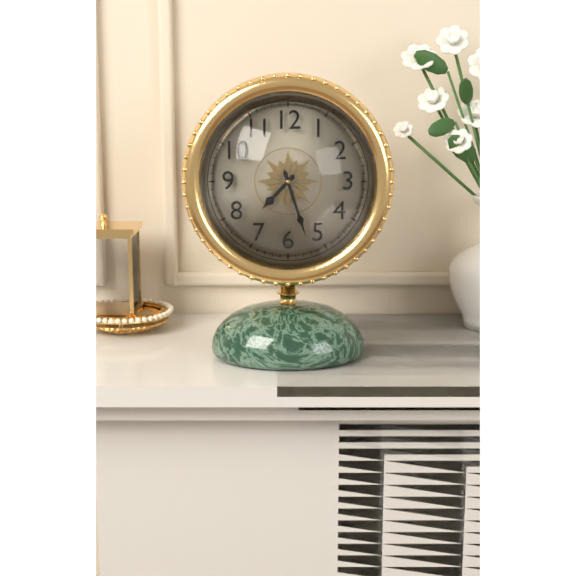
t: 7:27
